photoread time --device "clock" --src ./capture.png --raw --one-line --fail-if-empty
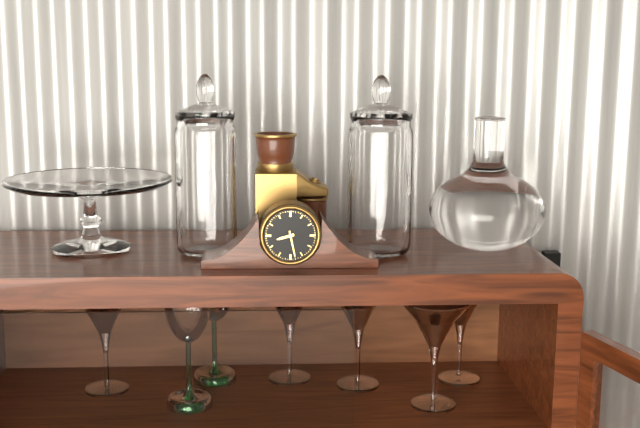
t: 8:28
